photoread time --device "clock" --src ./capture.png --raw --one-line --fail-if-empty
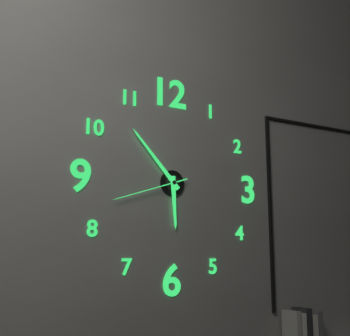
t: 5:53:42
